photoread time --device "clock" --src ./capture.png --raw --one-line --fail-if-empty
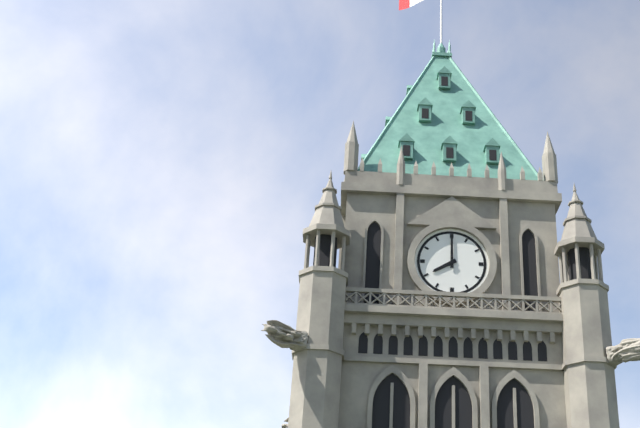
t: 8:00
